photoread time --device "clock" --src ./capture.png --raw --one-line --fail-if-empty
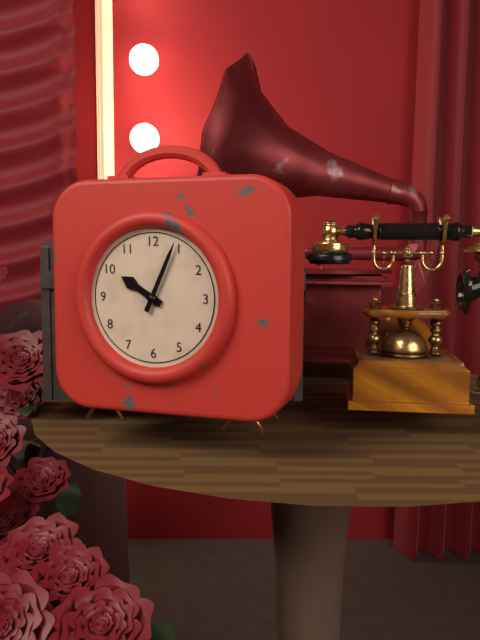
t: 10:04
